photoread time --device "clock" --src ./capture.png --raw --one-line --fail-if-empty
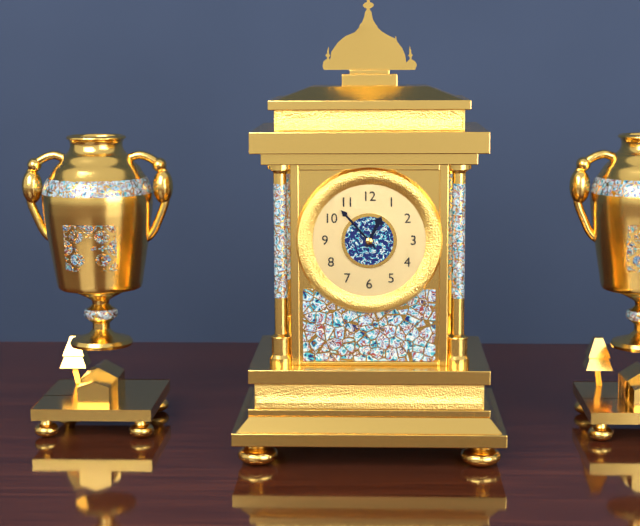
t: 12:53
